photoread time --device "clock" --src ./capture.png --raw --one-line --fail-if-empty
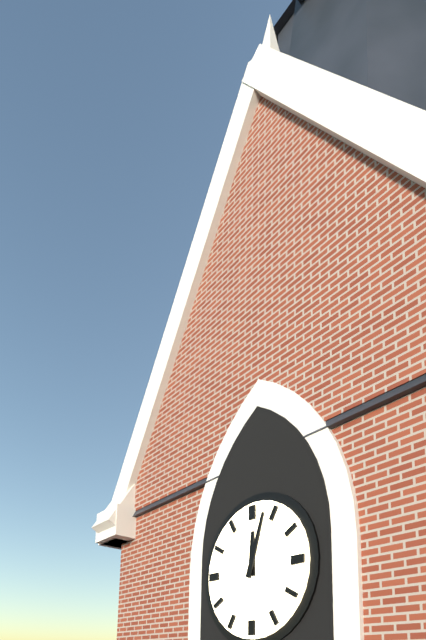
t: 12:03
